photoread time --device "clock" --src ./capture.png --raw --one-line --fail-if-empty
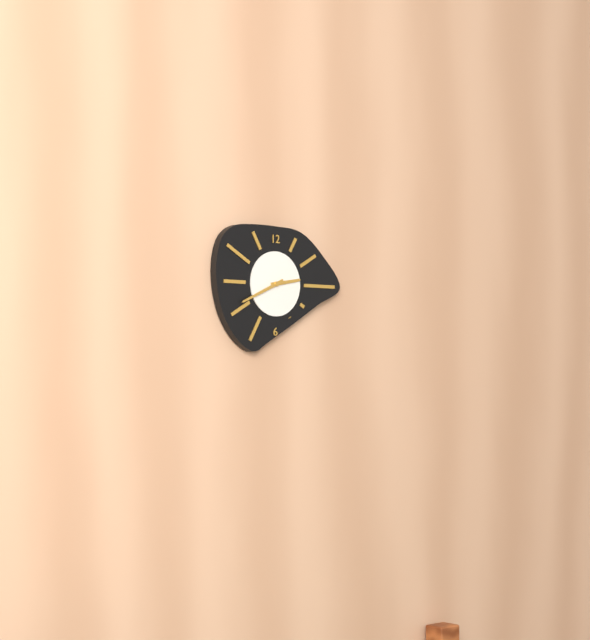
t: 2:41
